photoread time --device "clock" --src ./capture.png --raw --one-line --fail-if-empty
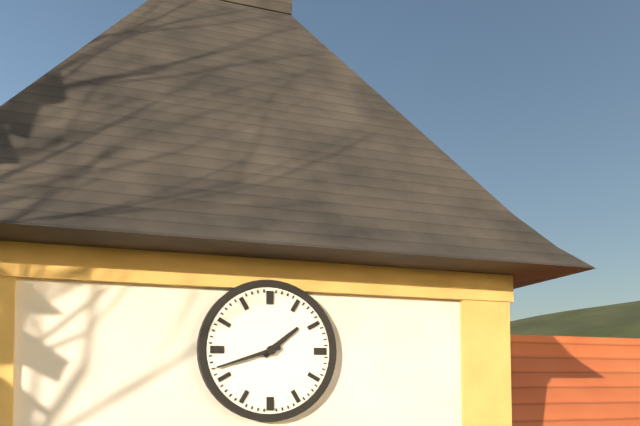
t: 1:42
